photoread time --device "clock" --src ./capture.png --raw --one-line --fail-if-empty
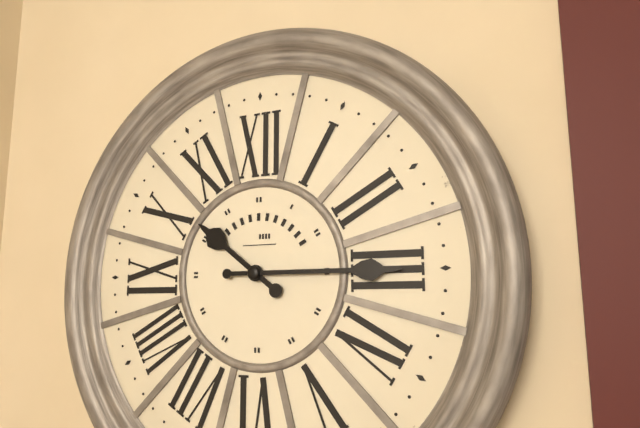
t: 10:15
